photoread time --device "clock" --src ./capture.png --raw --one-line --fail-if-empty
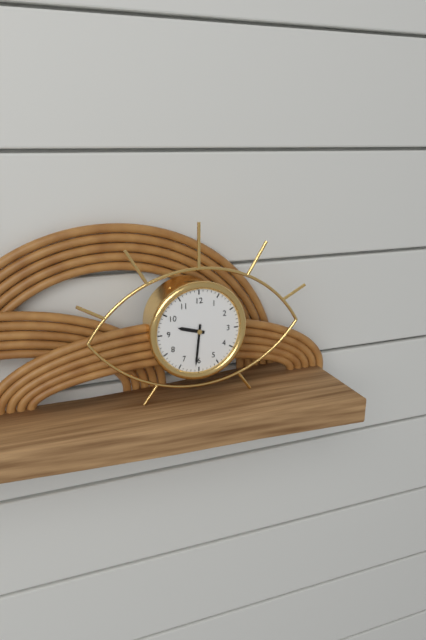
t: 9:31
